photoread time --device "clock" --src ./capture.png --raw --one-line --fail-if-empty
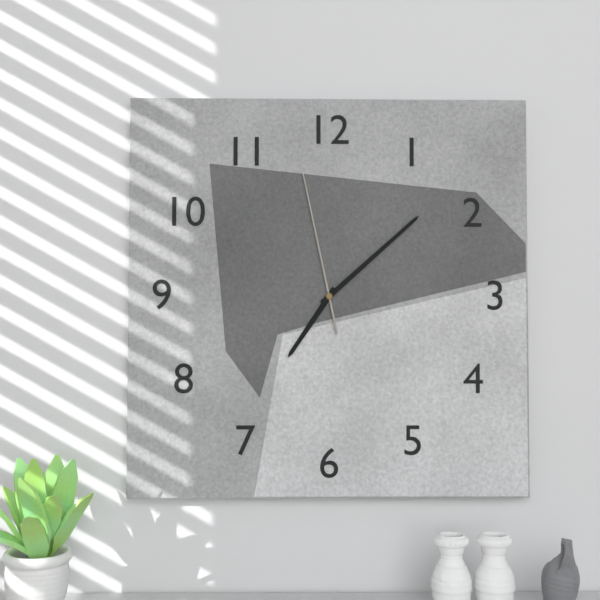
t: 7:08:58
